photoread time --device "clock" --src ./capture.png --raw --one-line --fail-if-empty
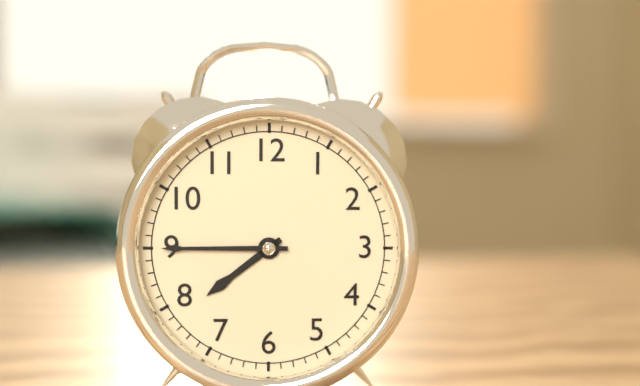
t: 7:45
